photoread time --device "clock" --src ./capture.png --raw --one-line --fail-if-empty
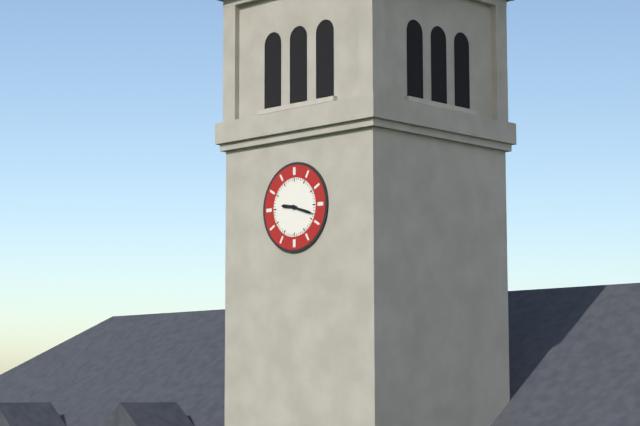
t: 9:18
